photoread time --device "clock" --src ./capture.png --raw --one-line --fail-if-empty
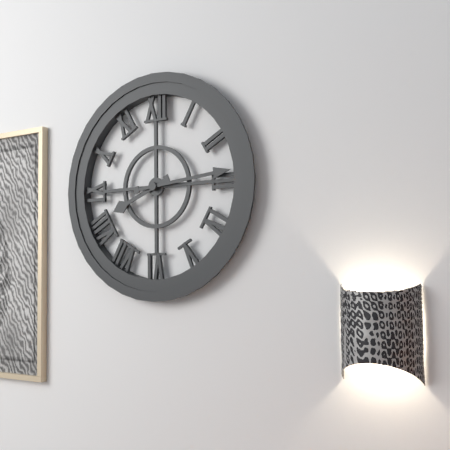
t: 8:14
